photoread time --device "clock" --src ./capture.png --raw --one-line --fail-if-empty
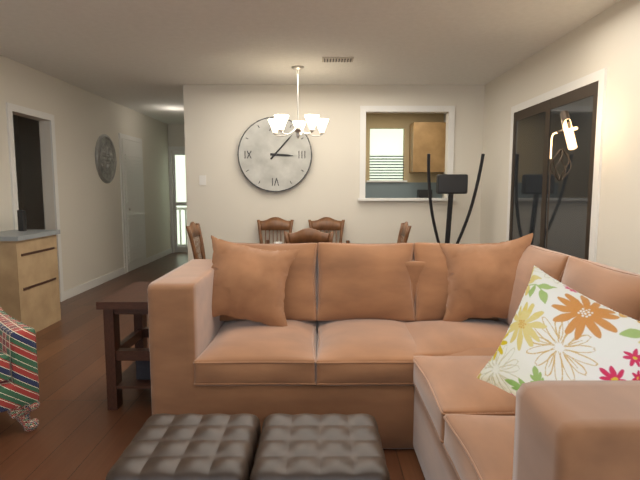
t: 3:07
